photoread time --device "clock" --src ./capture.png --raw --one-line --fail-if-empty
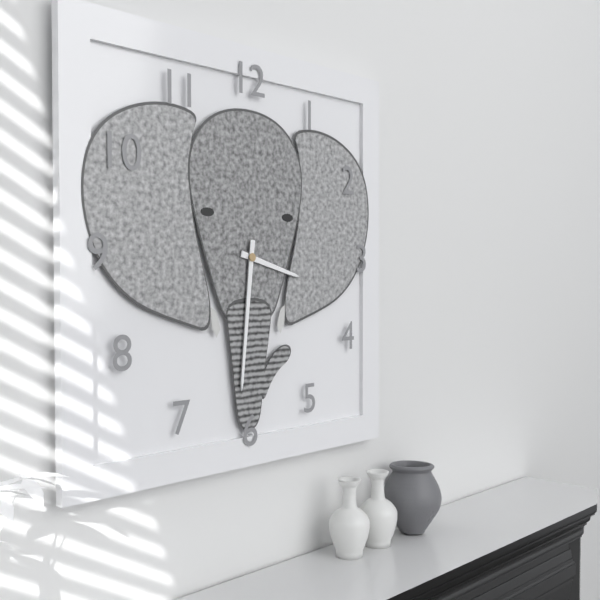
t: 3:31
